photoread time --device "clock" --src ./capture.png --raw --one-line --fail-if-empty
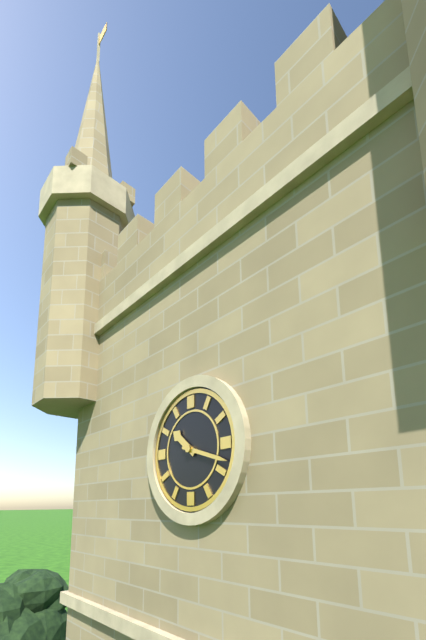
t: 10:18
